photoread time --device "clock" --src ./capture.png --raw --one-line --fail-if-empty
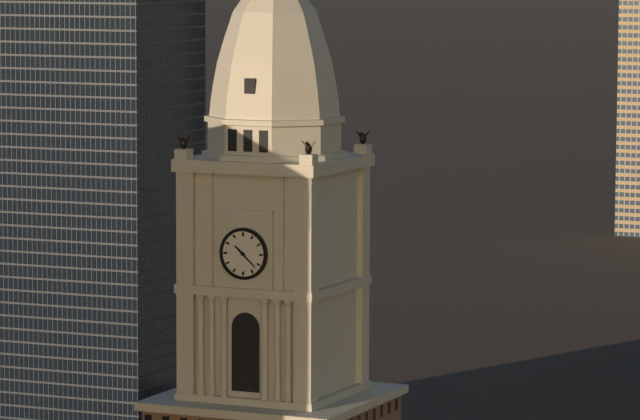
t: 10:22
